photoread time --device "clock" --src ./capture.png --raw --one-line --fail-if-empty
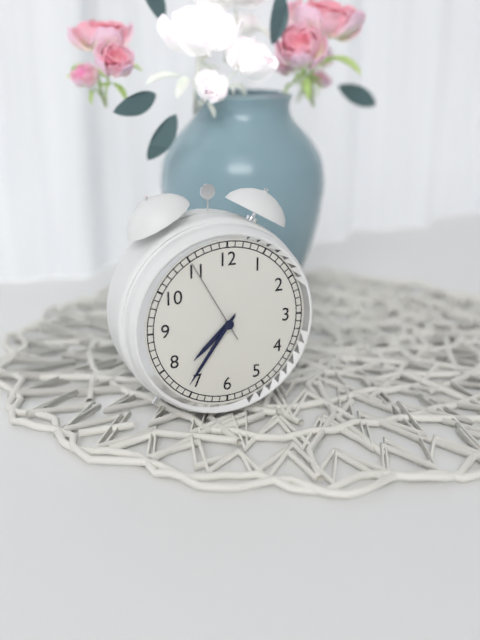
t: 7:36:55
